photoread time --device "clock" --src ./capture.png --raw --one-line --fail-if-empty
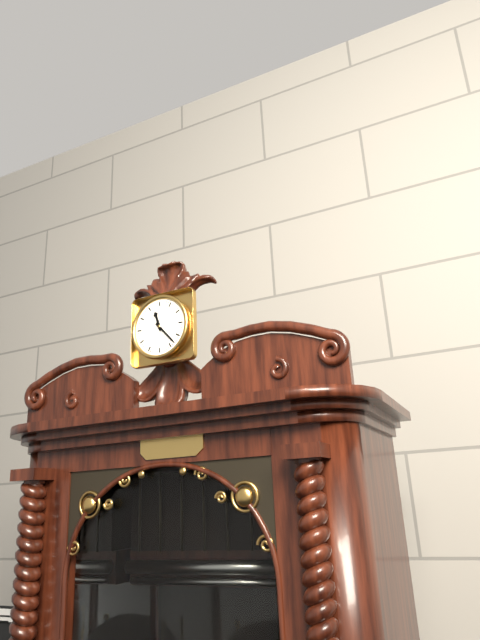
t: 11:23
